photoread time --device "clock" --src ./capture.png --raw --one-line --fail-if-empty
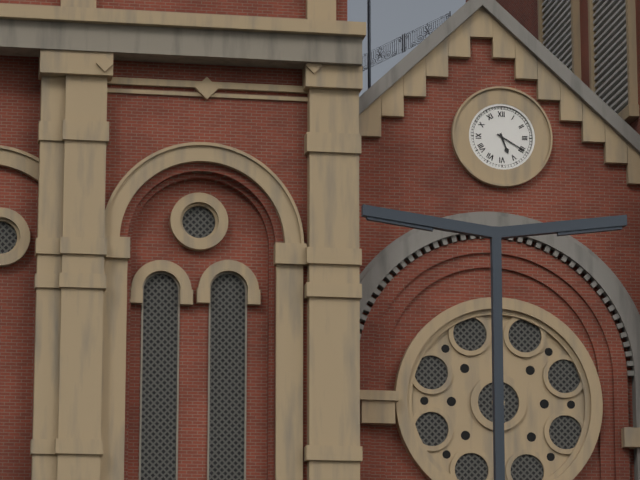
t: 5:20
